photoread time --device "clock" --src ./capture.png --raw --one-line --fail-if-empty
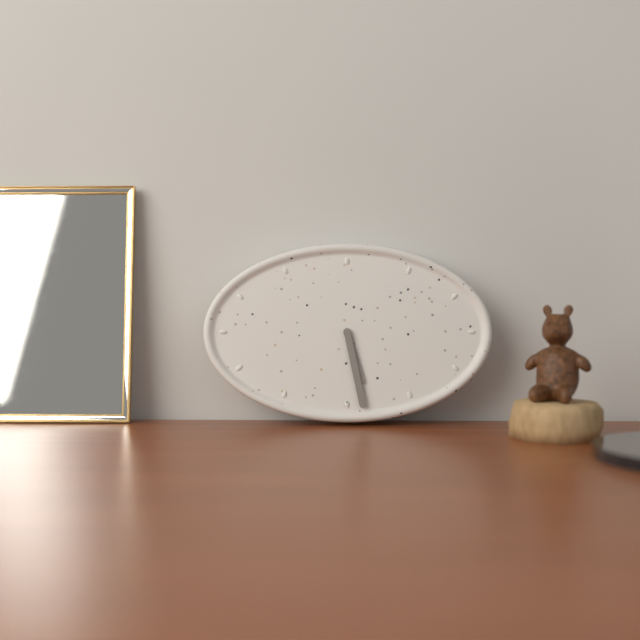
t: 5:28
